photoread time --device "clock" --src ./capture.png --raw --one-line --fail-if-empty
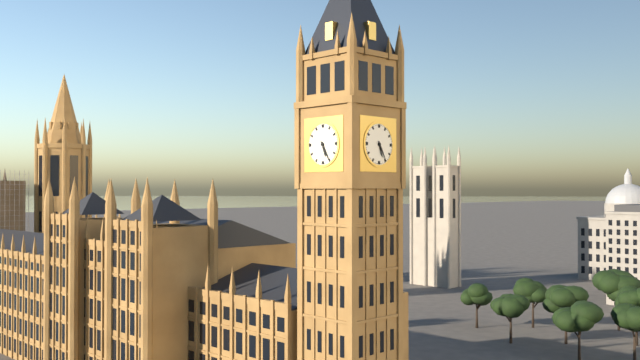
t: 5:25
